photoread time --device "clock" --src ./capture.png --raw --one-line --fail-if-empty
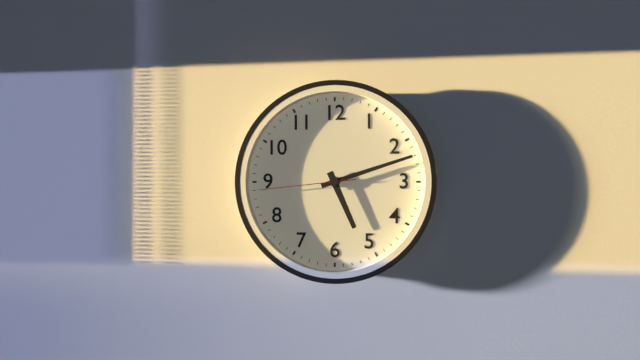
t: 5:12:44
